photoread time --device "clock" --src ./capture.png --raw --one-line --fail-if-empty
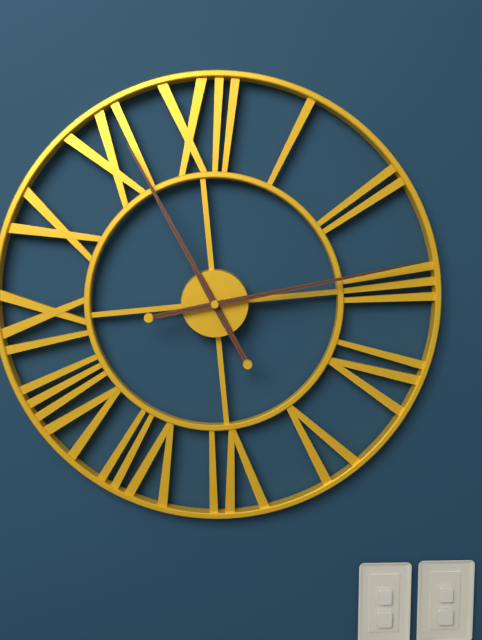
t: 11:14
